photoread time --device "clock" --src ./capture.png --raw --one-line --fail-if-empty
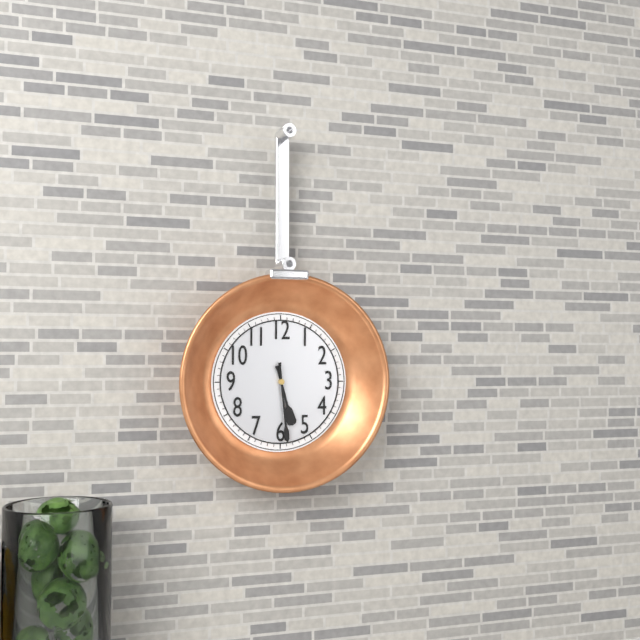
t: 5:29
